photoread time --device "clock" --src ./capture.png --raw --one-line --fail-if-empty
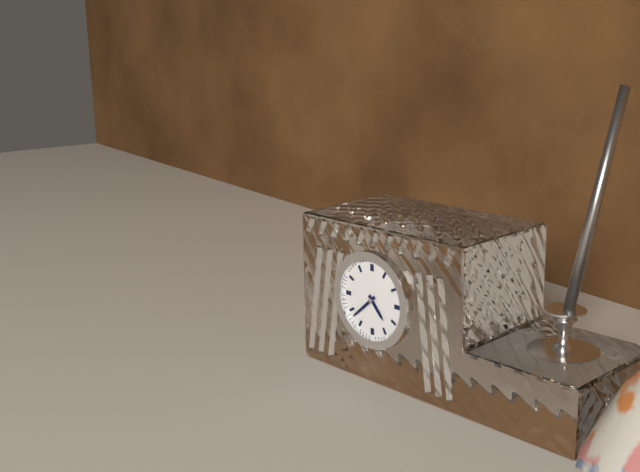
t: 4:38
